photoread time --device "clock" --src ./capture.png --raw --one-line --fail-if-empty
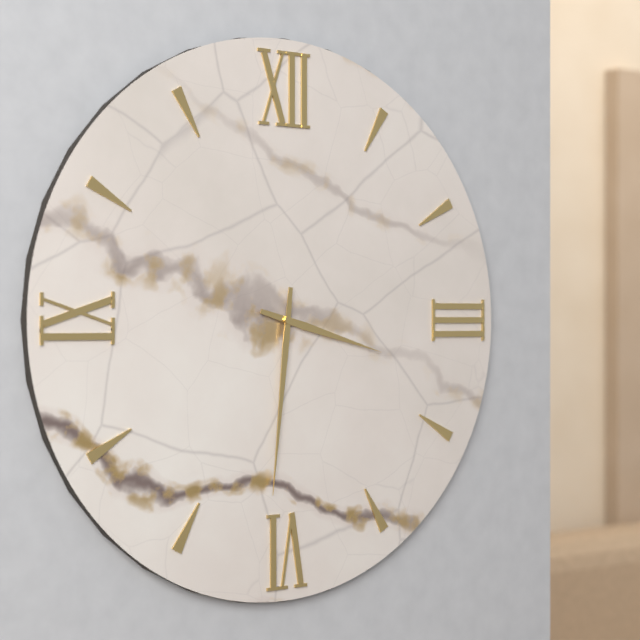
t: 3:31
